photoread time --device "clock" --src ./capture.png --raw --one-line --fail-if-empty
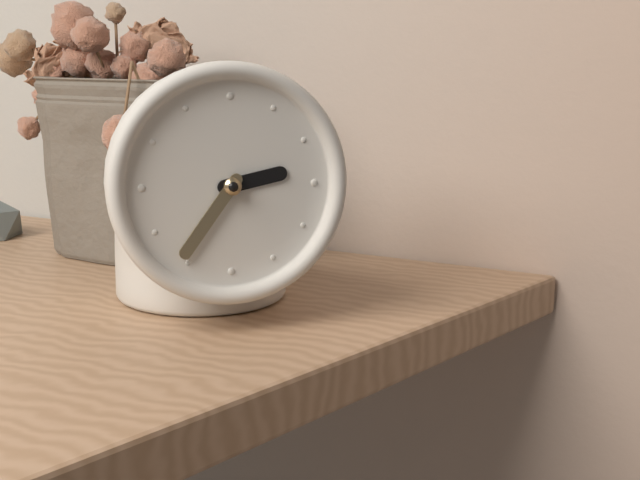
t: 2:36
